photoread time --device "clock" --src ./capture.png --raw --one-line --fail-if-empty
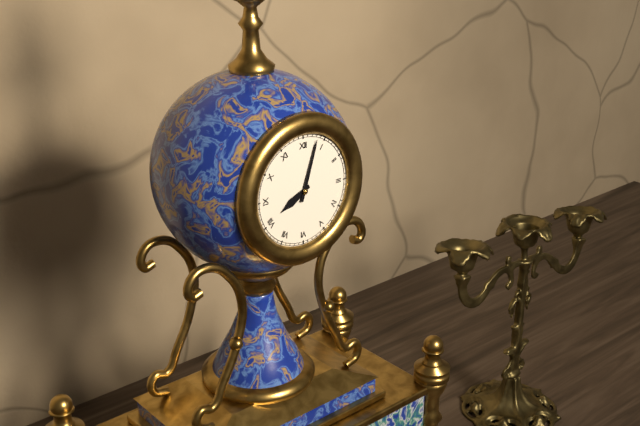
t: 8:03
